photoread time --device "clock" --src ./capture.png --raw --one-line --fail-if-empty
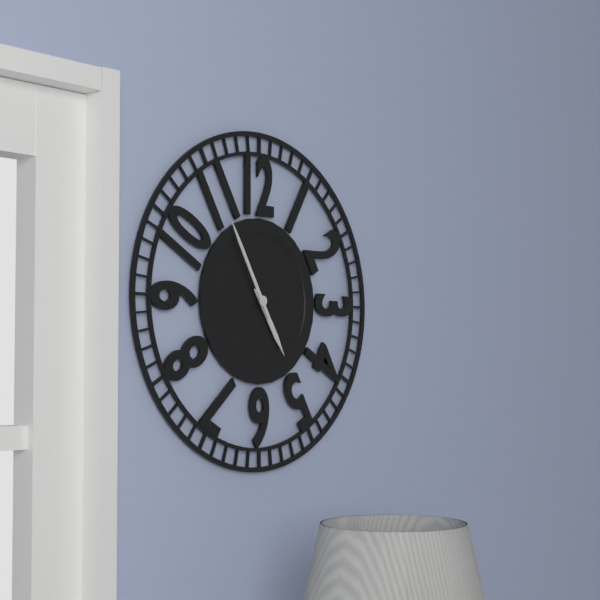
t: 4:55
